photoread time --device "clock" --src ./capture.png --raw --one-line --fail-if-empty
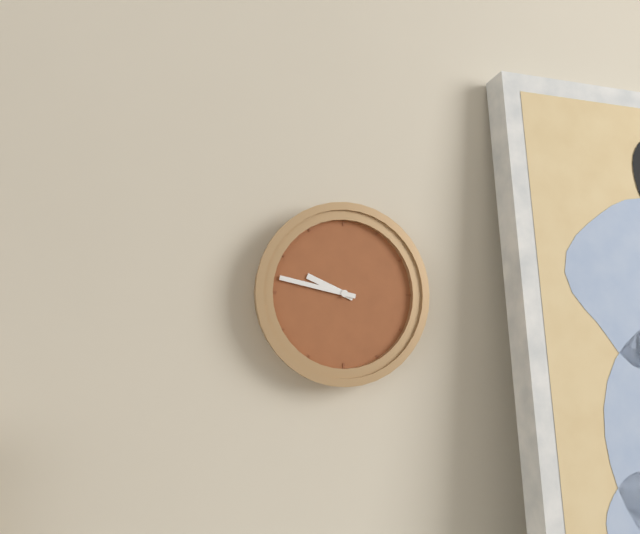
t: 9:47
